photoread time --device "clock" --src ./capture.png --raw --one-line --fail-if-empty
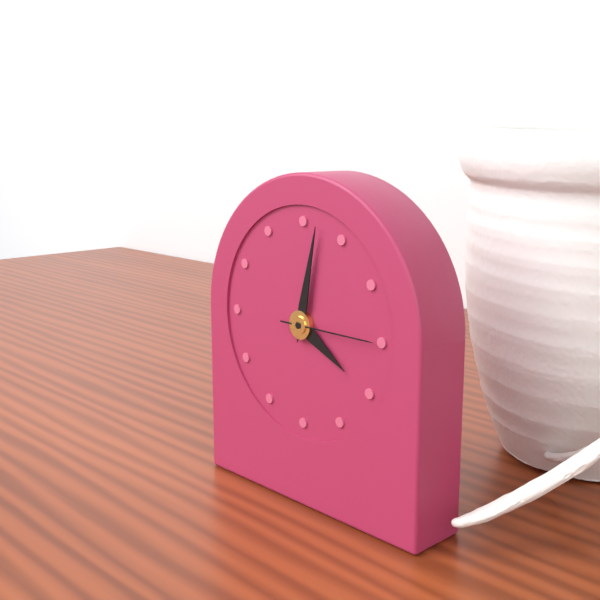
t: 4:02:15
